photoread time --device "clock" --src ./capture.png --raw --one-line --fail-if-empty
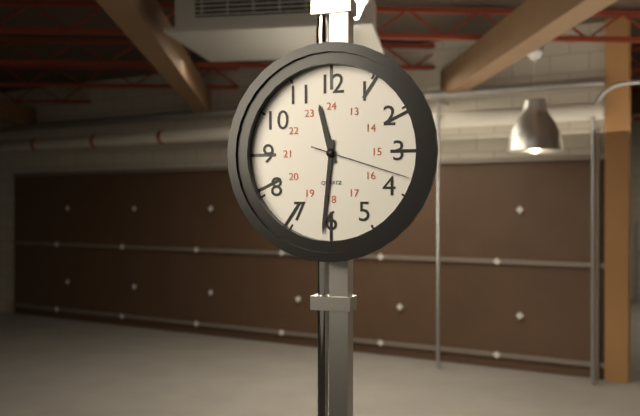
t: 11:31:18
